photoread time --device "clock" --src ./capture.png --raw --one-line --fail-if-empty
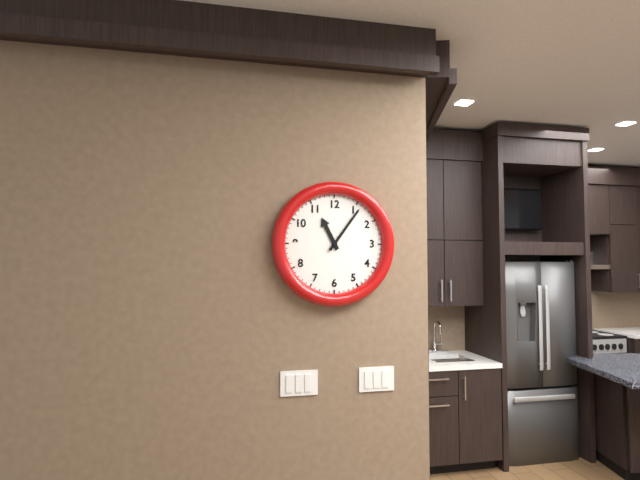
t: 11:06
